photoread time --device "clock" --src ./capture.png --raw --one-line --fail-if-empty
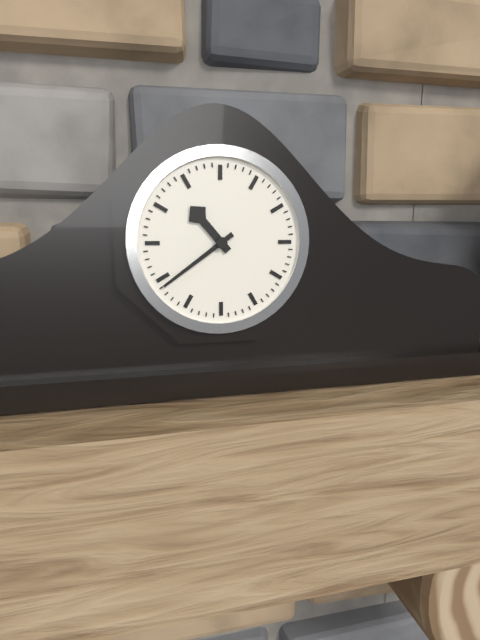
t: 10:39
